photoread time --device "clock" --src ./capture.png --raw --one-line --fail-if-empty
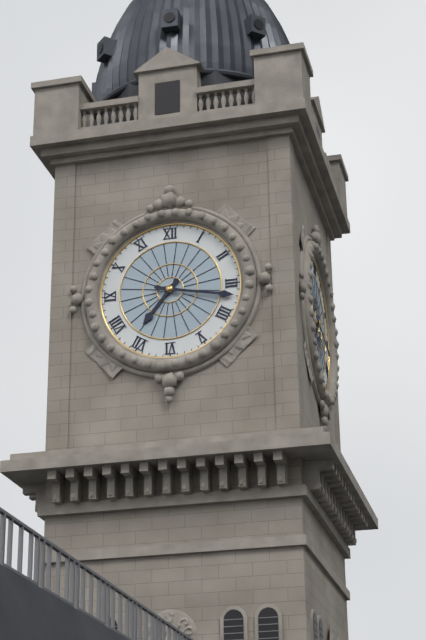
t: 7:17
